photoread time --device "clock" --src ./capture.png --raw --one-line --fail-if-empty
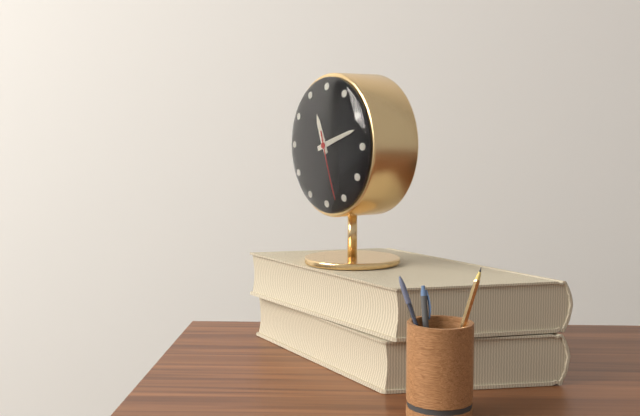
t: 11:12:27
